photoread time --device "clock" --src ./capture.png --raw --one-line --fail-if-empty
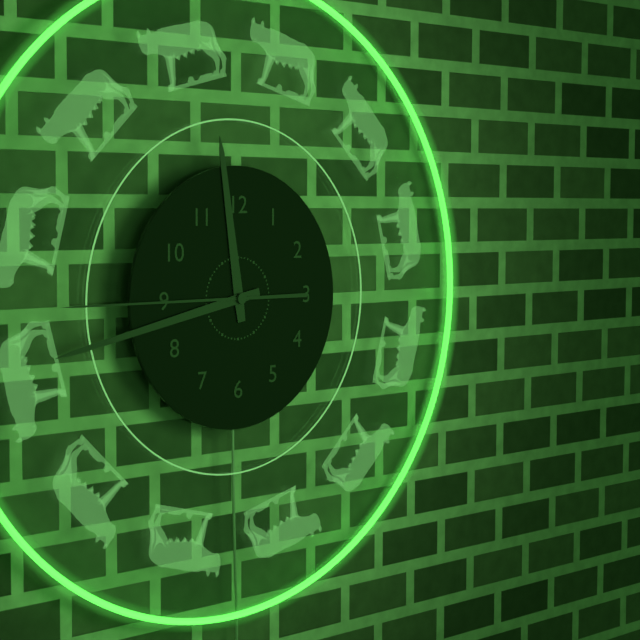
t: 11:43:45
